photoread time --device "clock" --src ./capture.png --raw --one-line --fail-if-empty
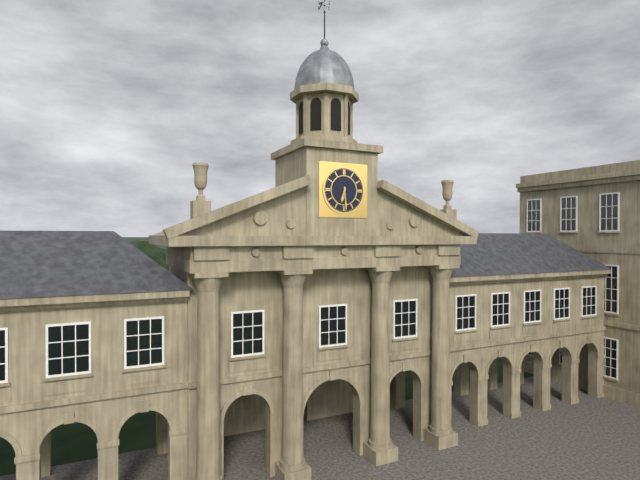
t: 6:29
